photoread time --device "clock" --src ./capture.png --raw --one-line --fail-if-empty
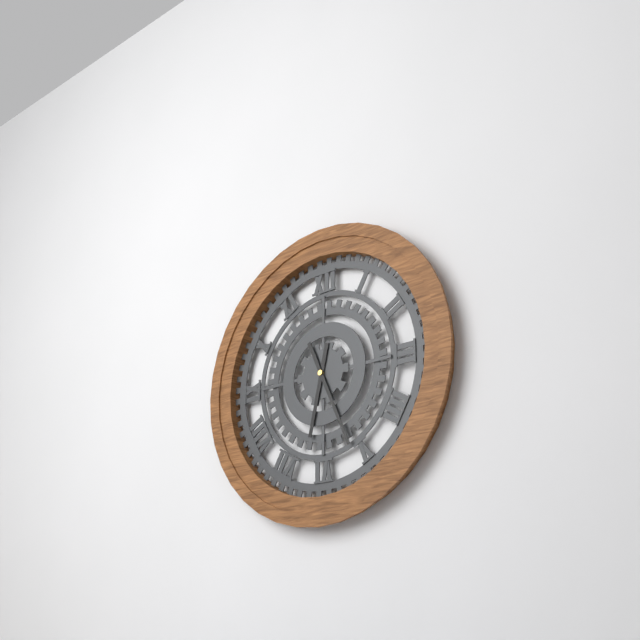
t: 6:26
